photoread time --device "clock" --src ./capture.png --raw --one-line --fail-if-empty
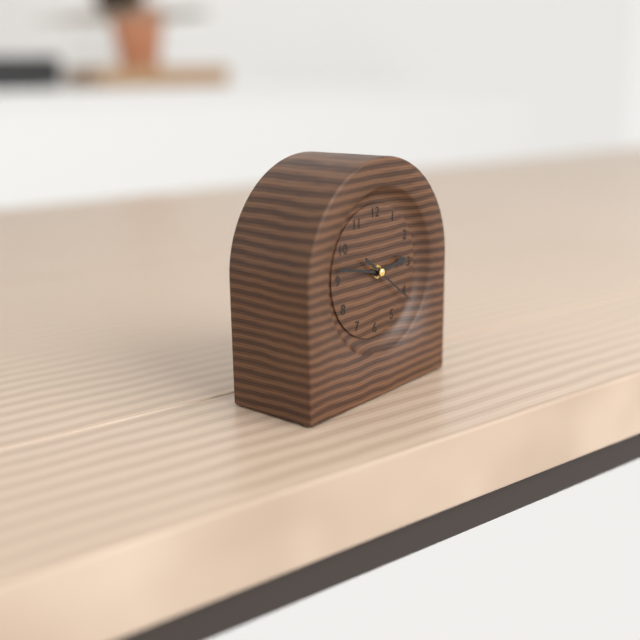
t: 2:47:21
